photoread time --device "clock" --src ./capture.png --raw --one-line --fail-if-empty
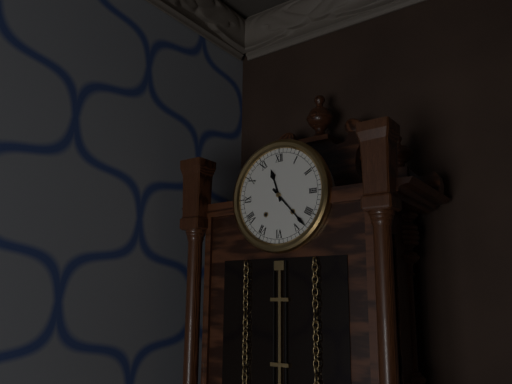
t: 11:23
